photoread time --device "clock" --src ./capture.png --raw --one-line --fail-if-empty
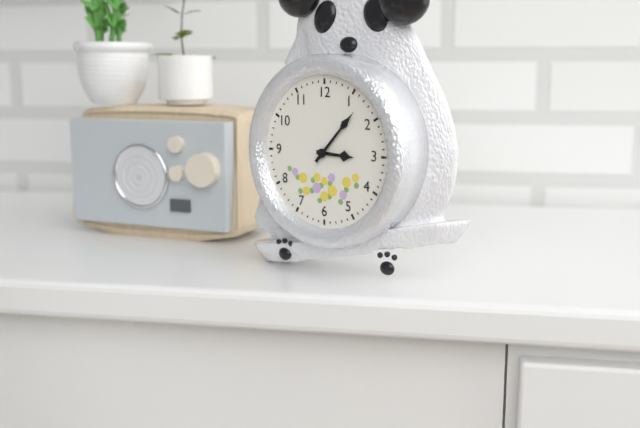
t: 3:07
